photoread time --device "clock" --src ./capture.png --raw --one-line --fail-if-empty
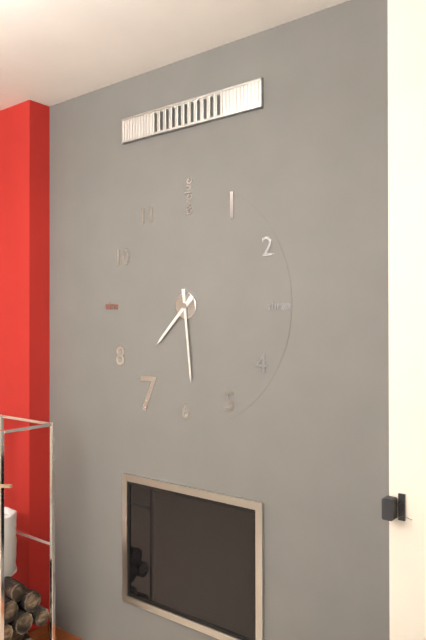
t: 7:29
